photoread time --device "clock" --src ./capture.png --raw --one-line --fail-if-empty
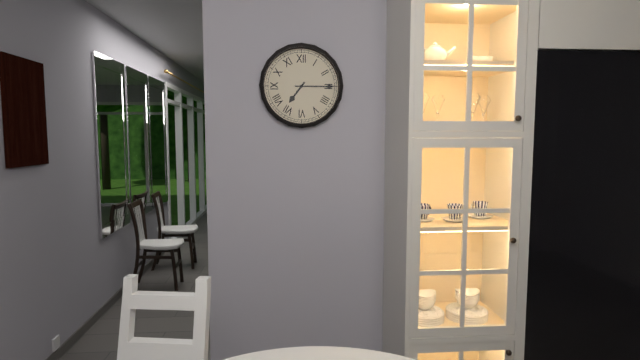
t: 7:15
